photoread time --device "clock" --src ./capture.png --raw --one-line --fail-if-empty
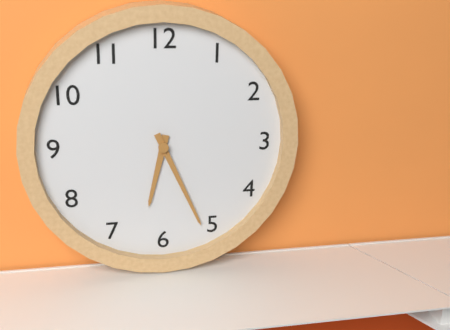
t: 6:26
